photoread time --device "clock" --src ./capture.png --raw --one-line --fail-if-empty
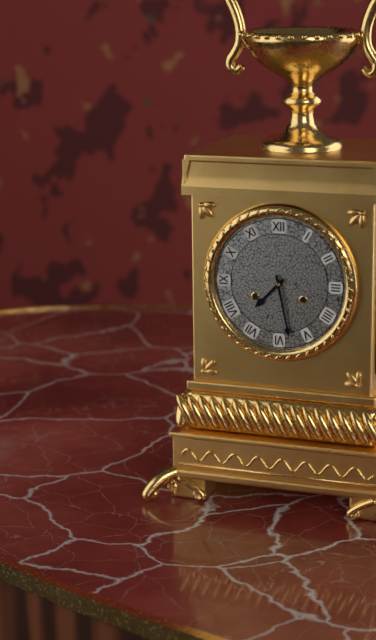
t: 7:28
